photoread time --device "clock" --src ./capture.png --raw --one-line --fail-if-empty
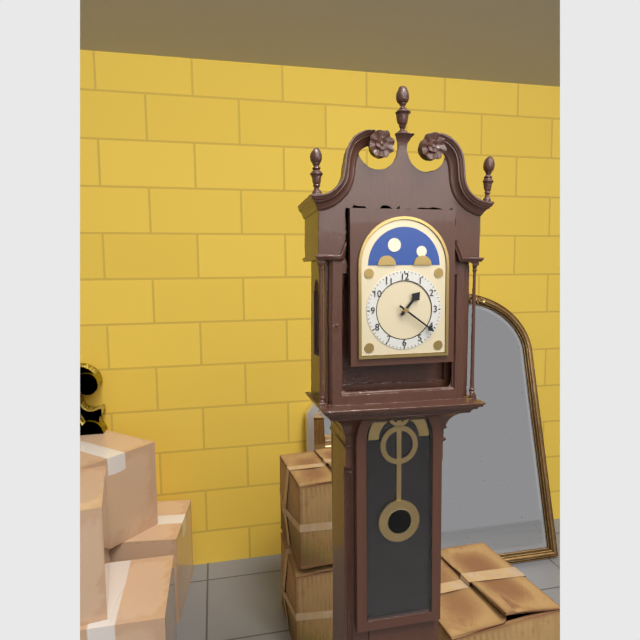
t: 1:21
